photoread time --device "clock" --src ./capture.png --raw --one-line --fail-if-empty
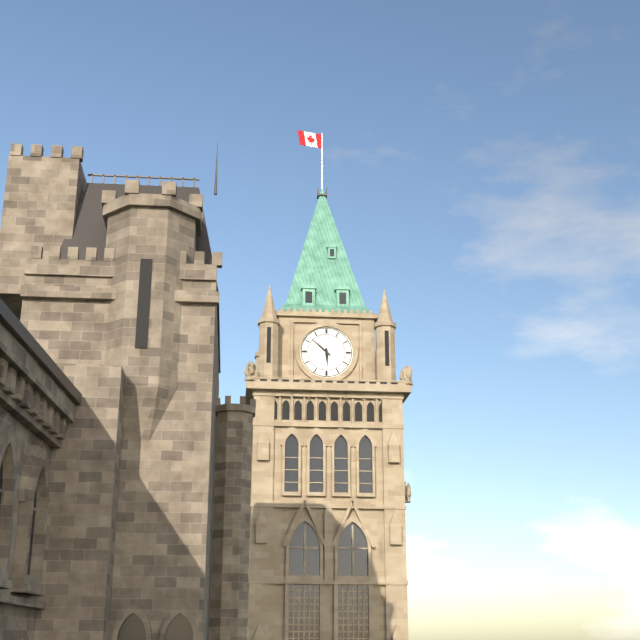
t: 5:52
